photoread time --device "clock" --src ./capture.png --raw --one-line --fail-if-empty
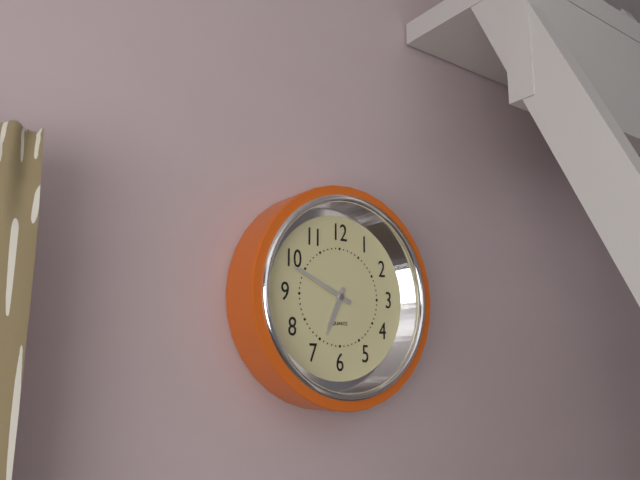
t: 6:49
